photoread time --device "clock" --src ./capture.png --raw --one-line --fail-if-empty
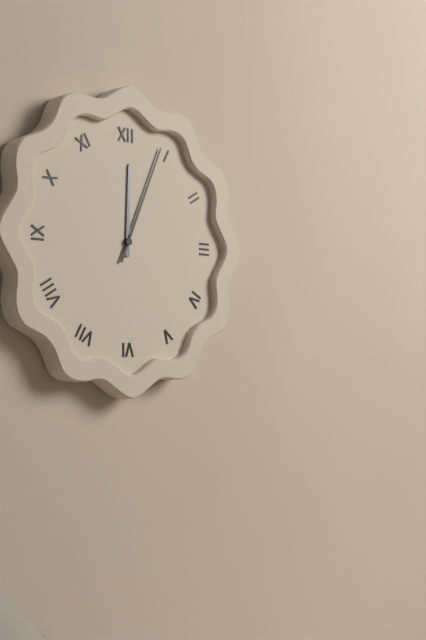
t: 12:04
